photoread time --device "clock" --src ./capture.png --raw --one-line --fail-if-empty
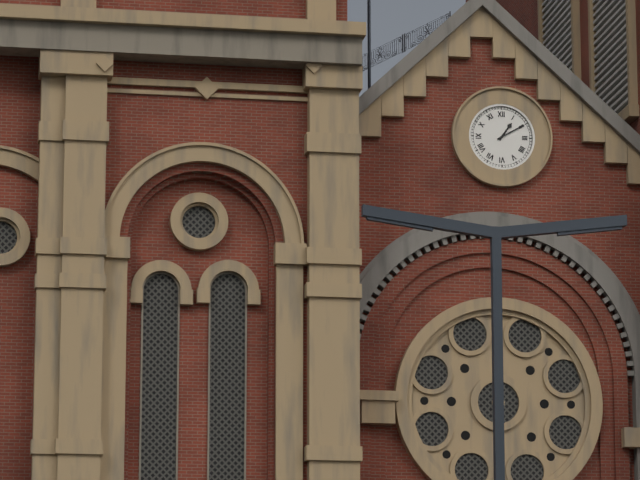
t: 1:10
